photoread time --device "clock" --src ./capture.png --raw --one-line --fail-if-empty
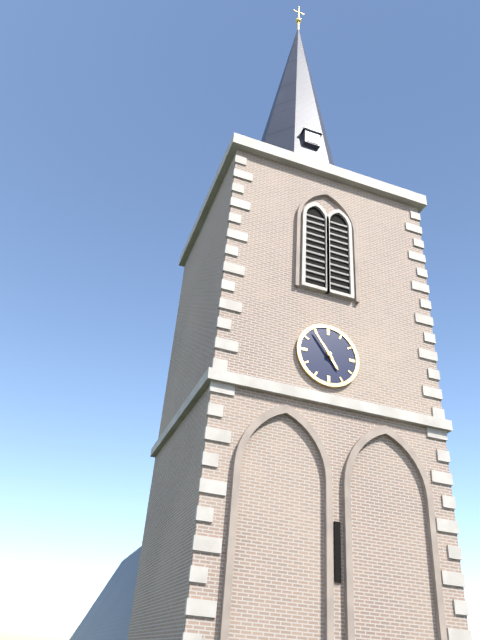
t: 4:54
